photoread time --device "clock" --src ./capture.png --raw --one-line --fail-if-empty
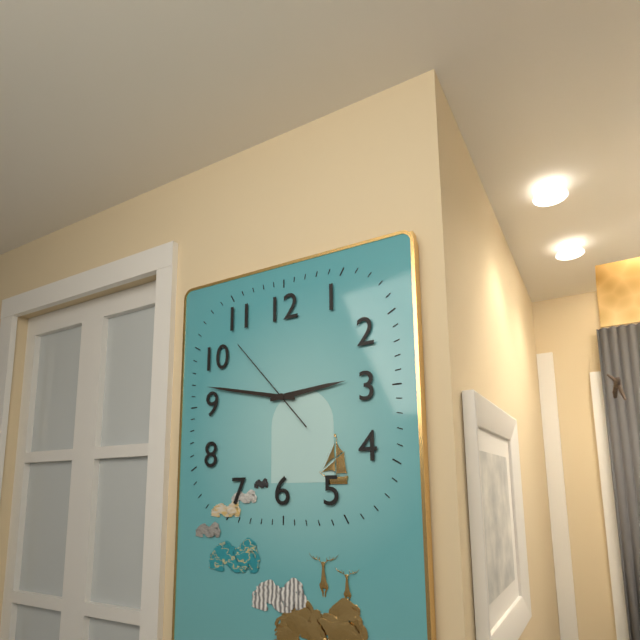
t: 2:47:53
